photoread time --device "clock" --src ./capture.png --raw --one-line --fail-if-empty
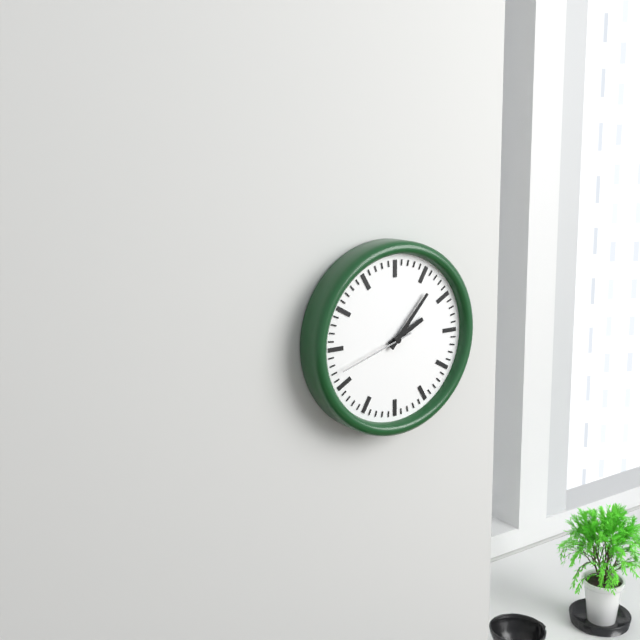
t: 2:07:42
